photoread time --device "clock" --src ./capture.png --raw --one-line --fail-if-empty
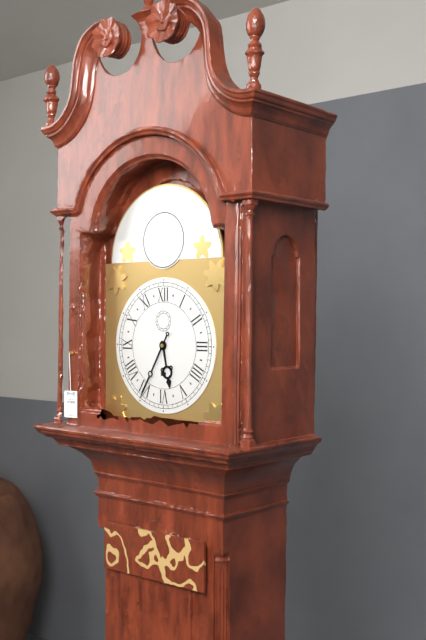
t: 5:35
